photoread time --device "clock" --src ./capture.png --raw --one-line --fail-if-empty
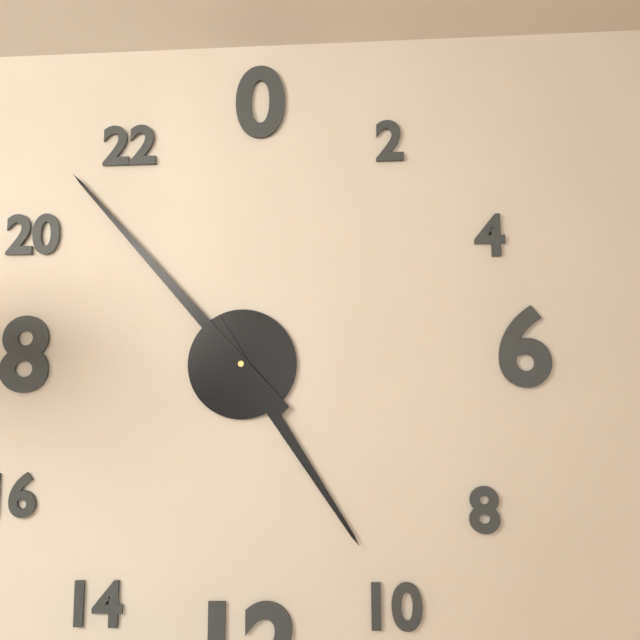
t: 4:53
